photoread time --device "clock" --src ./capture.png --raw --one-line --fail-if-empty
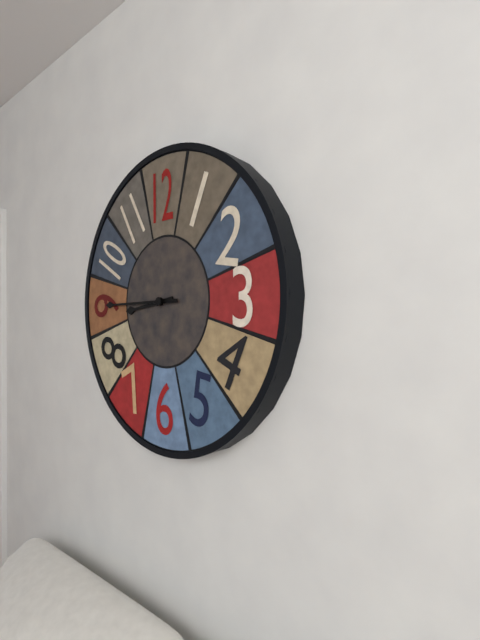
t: 8:45
